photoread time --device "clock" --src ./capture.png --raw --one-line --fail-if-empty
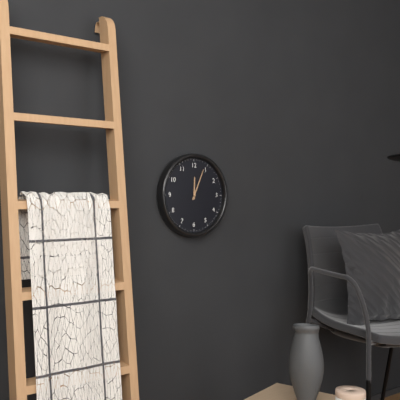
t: 12:04
